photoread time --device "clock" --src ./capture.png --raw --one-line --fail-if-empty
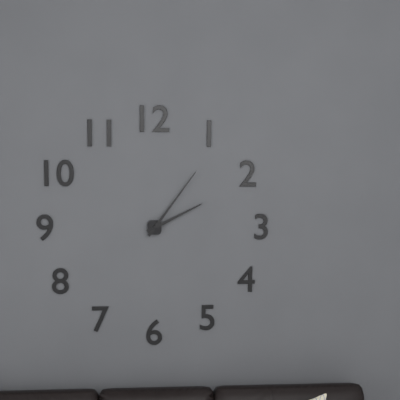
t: 2:06
